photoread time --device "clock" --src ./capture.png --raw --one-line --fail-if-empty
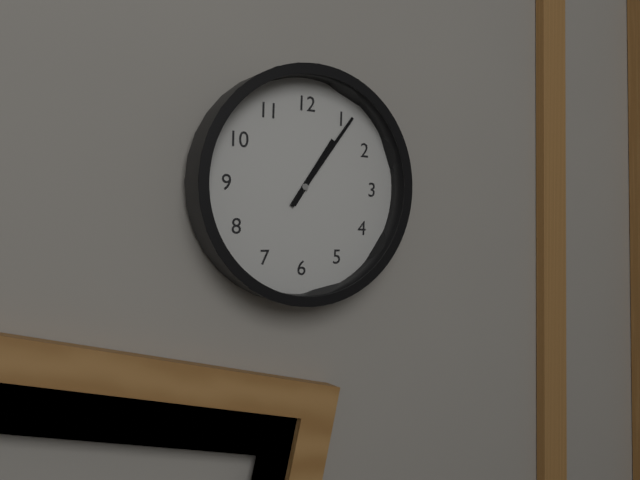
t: 1:06
